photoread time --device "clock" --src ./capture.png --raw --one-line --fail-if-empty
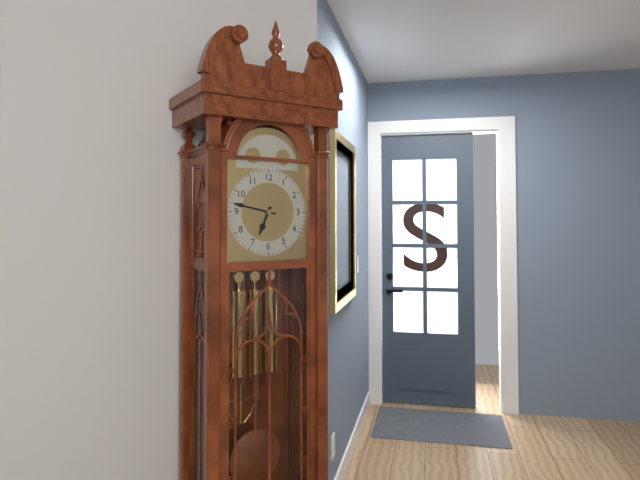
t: 6:47
